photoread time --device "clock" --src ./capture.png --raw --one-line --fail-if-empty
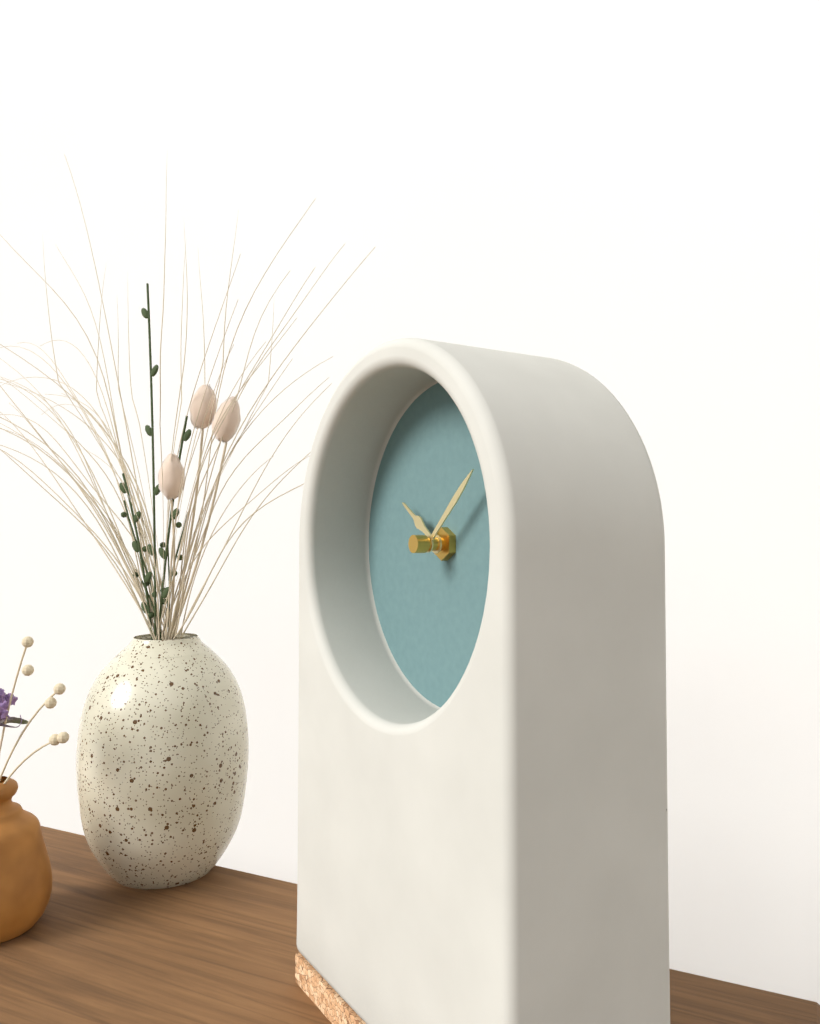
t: 10:08
